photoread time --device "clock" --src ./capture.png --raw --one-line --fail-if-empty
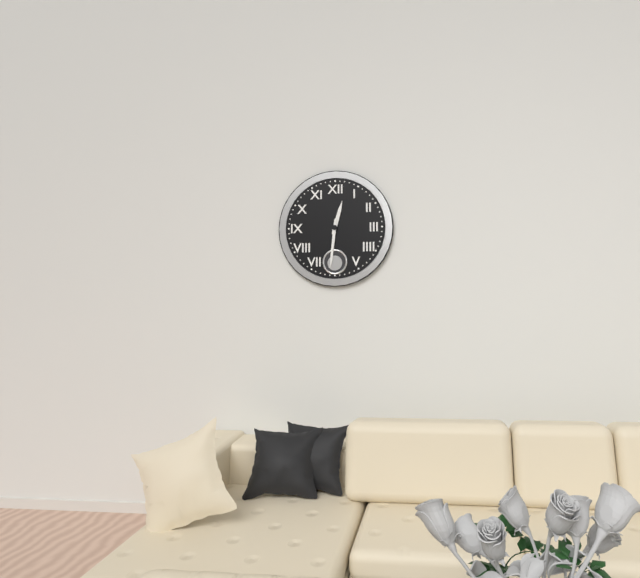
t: 12:31
